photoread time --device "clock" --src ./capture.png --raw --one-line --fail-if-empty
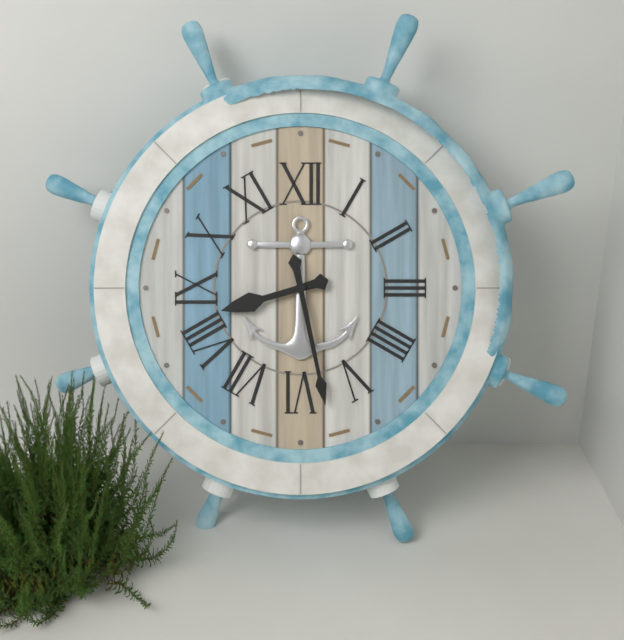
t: 8:28
